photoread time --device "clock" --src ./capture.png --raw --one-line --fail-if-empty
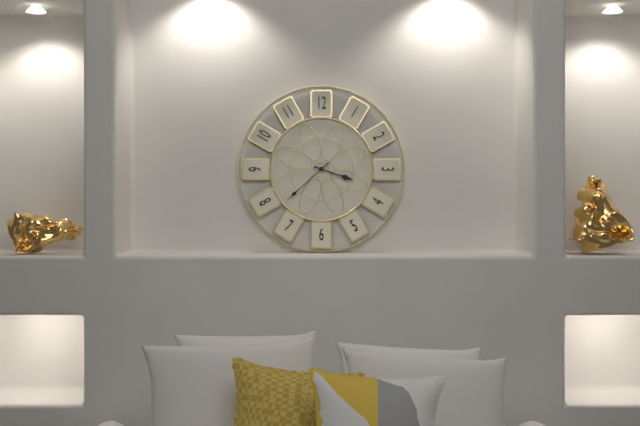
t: 3:38
